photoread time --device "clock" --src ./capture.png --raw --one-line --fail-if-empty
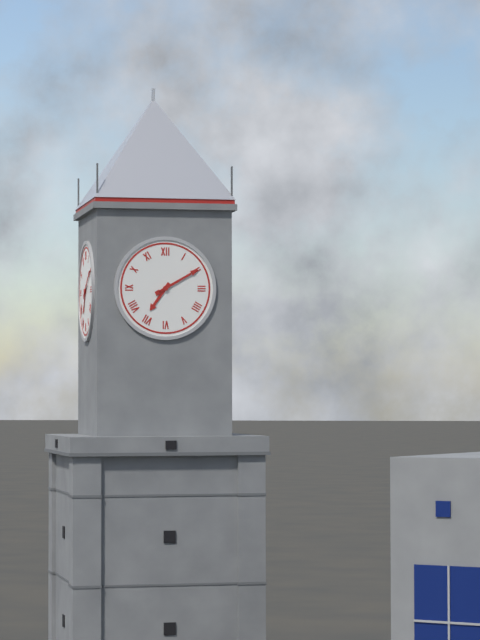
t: 7:10
